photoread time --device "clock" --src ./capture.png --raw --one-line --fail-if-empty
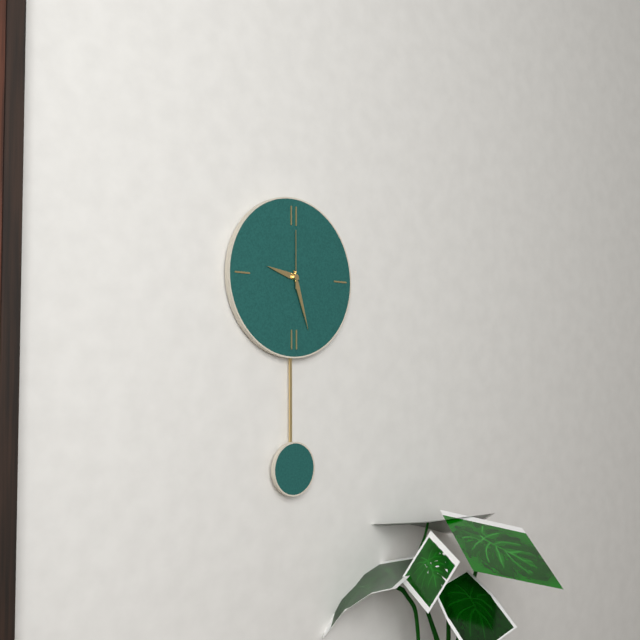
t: 9:27:00
